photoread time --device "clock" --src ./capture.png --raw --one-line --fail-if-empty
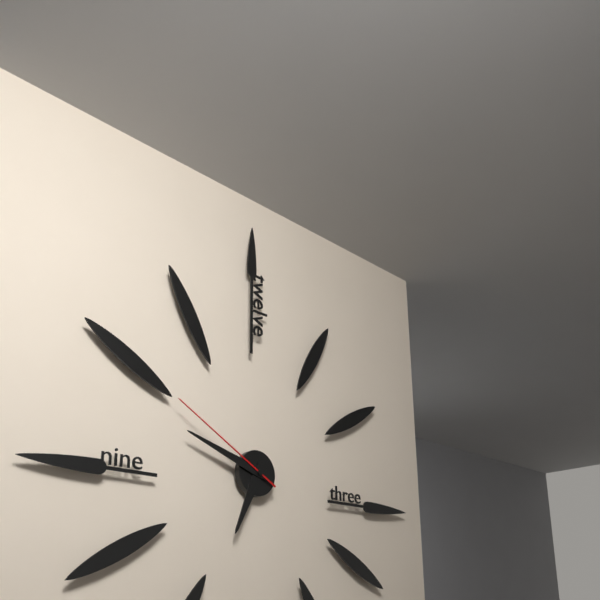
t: 6:48:50
